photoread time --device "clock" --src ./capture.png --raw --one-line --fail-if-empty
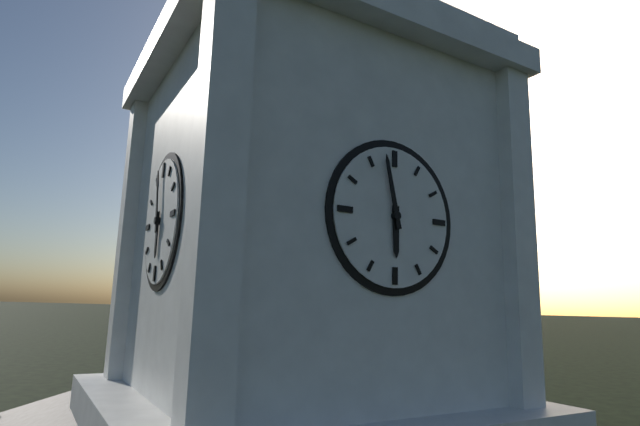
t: 5:58
